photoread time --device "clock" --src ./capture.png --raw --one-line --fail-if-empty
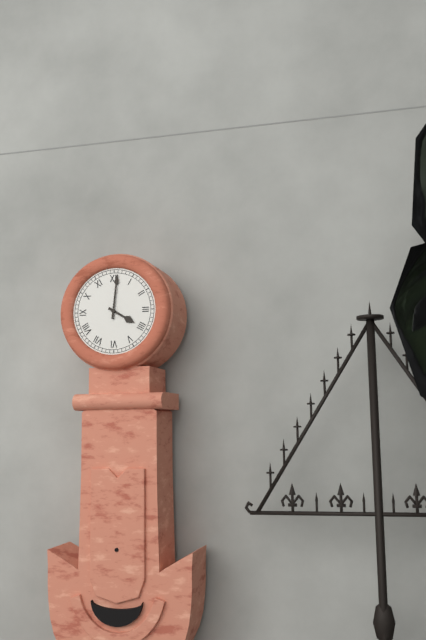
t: 4:01
